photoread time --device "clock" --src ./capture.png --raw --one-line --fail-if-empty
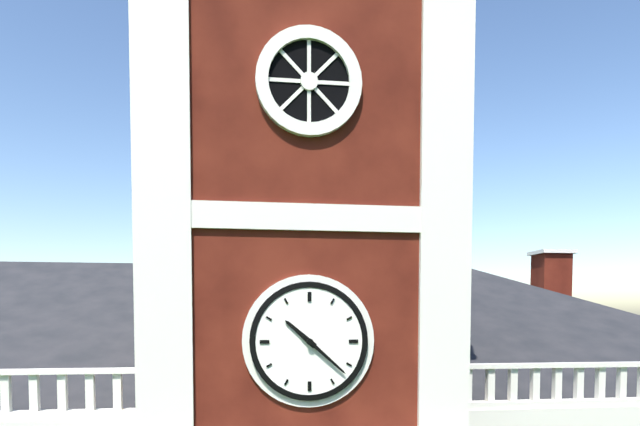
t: 10:22
